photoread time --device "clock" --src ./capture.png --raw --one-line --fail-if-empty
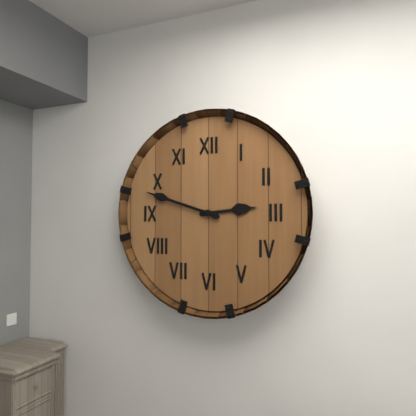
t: 2:48
